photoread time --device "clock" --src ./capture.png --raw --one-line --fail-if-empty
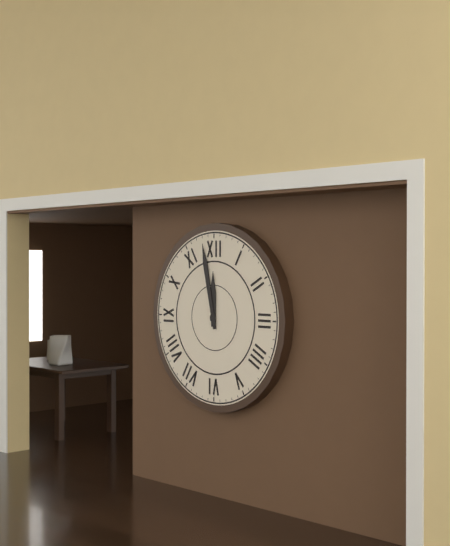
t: 11:58
